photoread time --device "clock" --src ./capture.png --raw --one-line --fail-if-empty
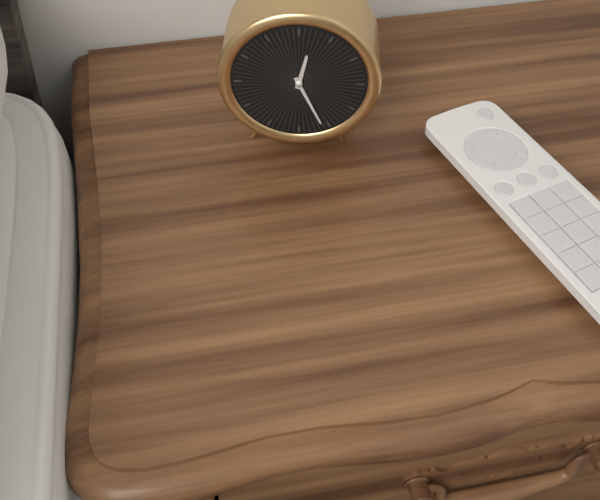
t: 12:26
